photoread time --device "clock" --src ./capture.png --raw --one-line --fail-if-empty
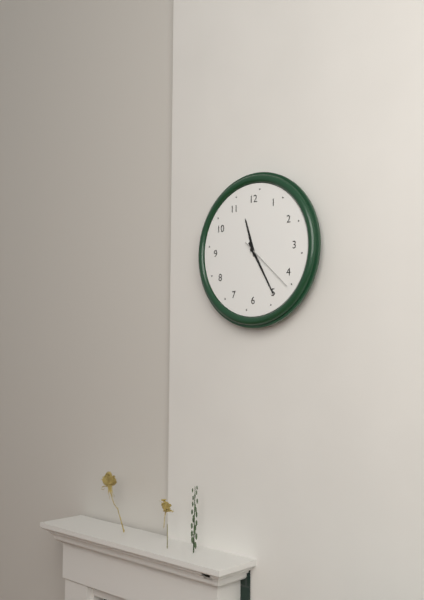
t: 11:25:22
